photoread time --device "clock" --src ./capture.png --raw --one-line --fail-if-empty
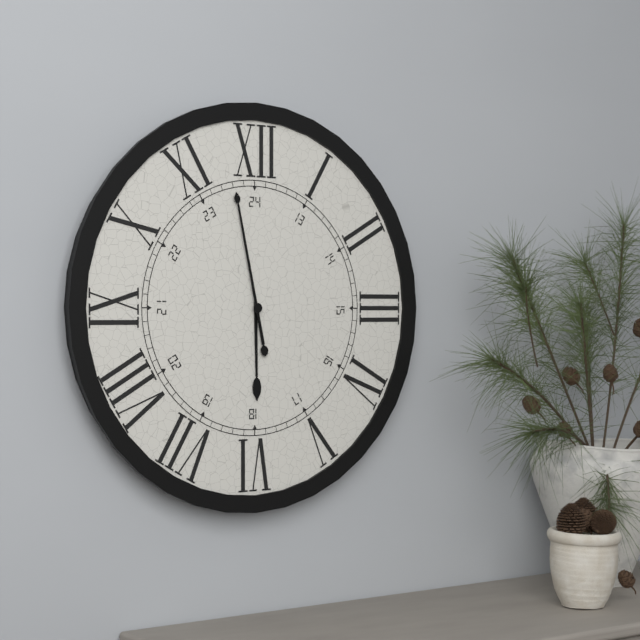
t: 5:58
